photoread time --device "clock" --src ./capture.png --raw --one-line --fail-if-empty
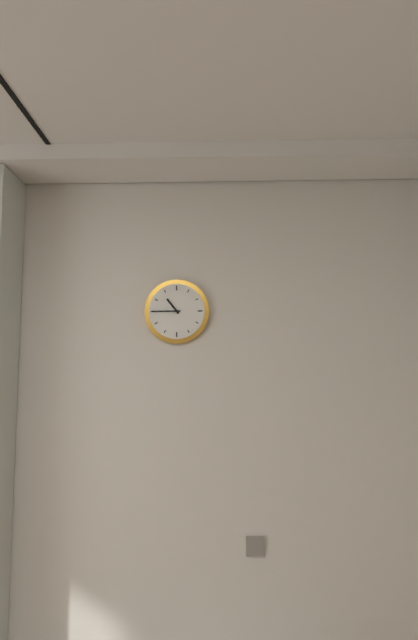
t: 10:45
